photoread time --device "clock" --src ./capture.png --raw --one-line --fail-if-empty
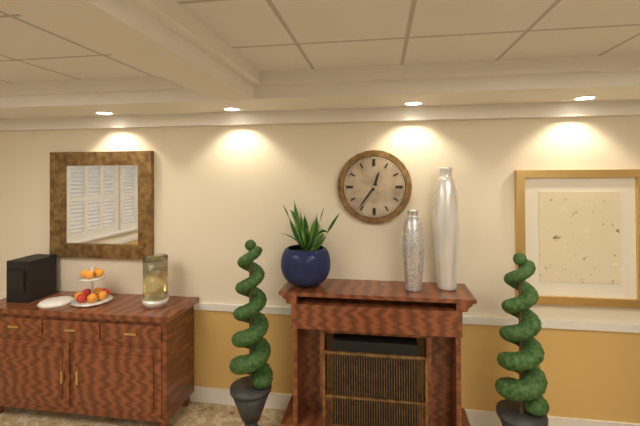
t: 12:36
